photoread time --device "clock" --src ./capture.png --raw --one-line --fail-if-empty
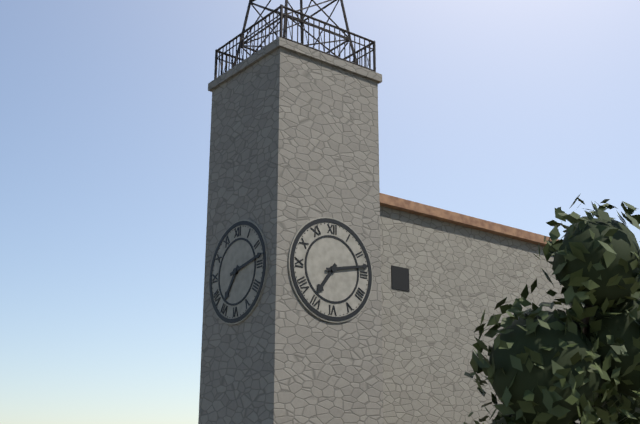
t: 7:13
